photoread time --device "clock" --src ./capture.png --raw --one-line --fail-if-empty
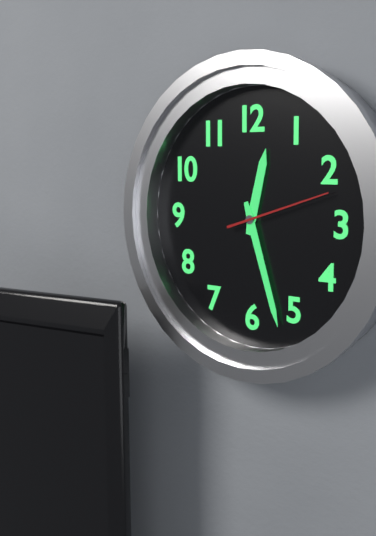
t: 12:27:12
